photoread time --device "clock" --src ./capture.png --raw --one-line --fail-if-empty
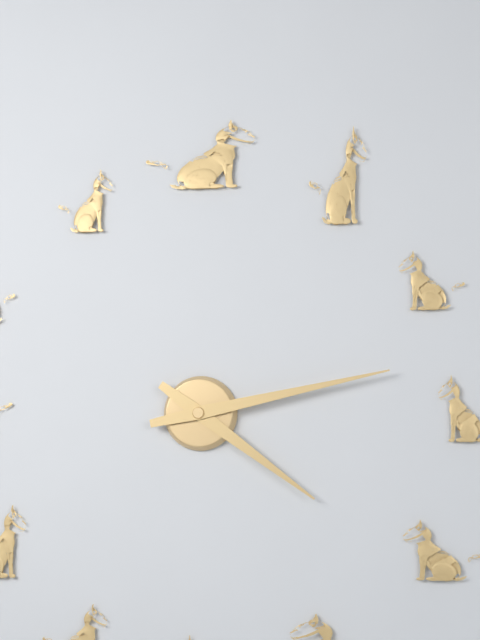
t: 4:13
